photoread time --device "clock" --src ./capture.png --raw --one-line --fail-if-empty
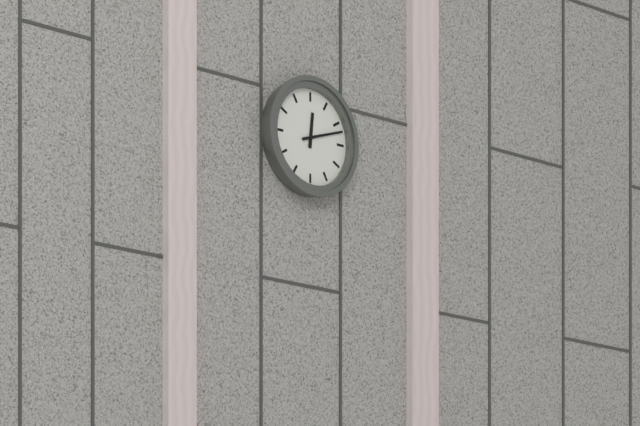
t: 12:12
